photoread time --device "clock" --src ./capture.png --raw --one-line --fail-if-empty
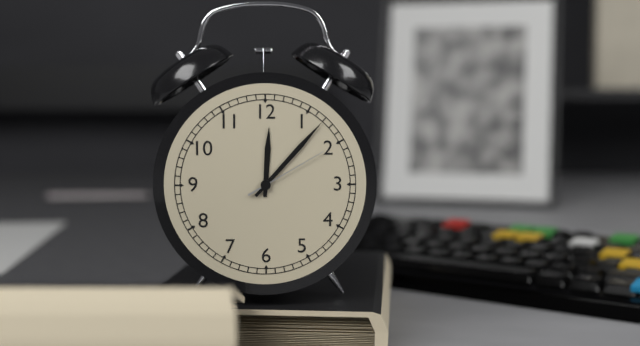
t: 12:07:10
